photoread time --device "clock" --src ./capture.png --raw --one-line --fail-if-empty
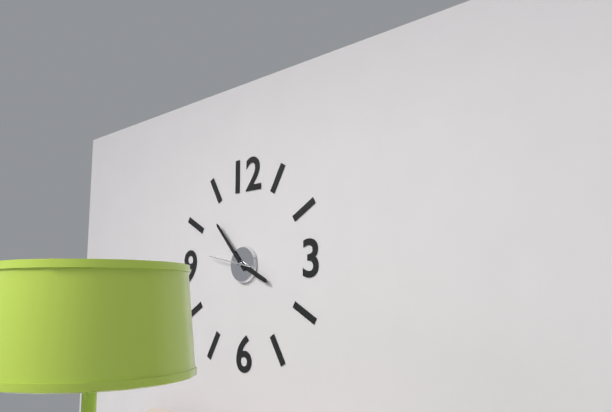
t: 3:53
